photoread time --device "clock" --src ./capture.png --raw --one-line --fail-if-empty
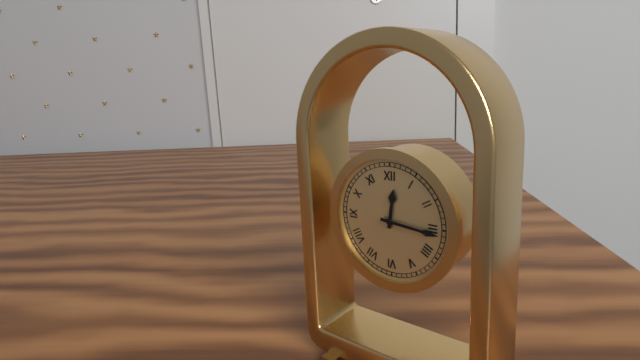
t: 12:16
